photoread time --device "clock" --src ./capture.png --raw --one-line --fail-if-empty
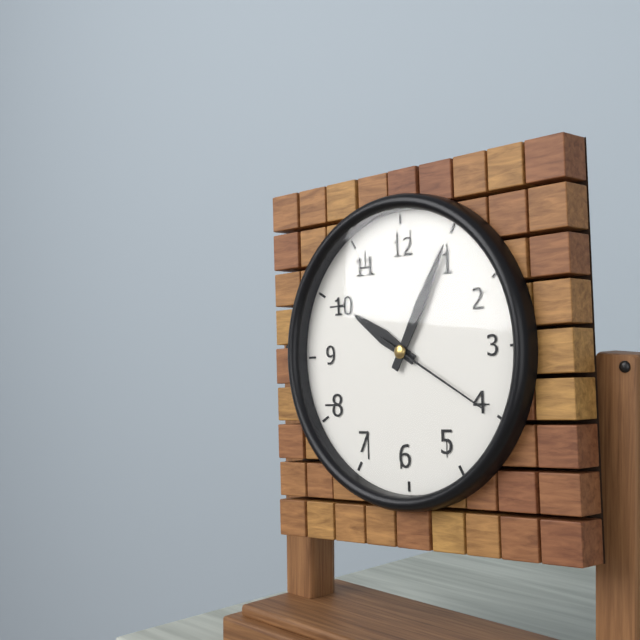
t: 10:05:20
